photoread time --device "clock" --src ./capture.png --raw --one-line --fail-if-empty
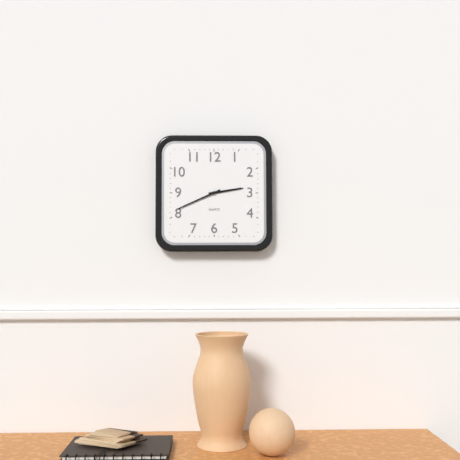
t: 2:41
